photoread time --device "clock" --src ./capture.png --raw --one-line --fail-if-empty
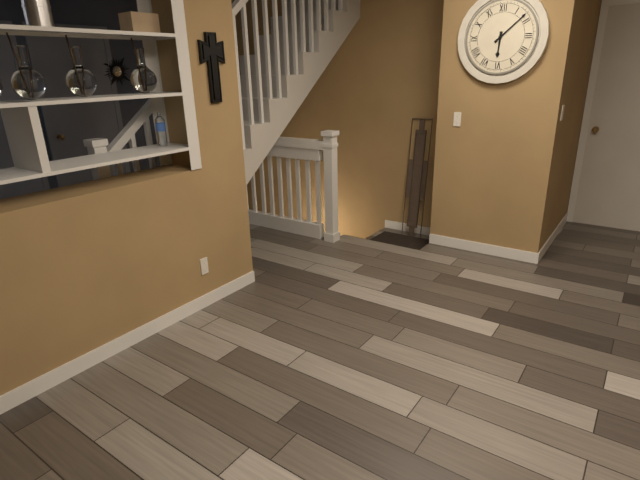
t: 6:08
